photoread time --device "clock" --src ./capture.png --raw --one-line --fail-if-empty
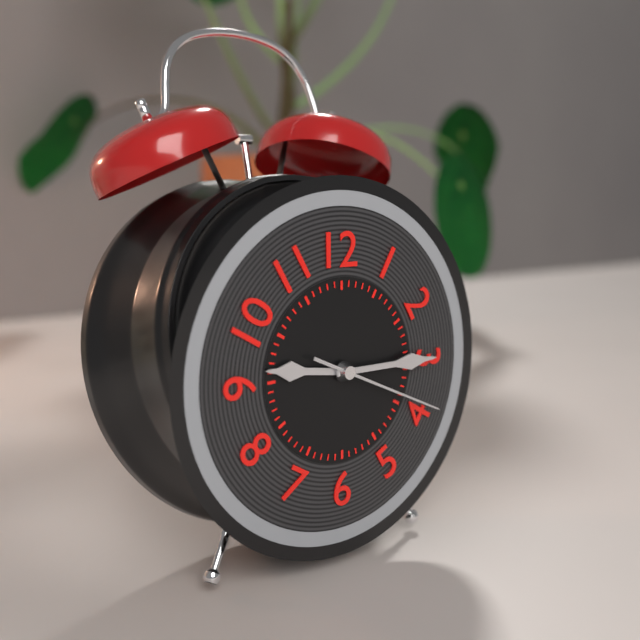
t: 9:15:19
